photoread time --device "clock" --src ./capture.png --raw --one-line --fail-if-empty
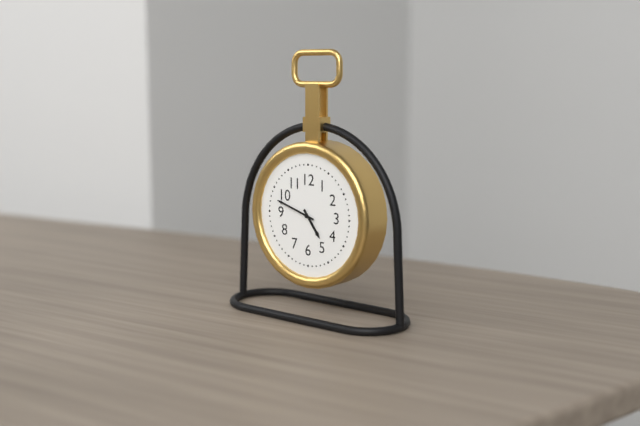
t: 4:48
